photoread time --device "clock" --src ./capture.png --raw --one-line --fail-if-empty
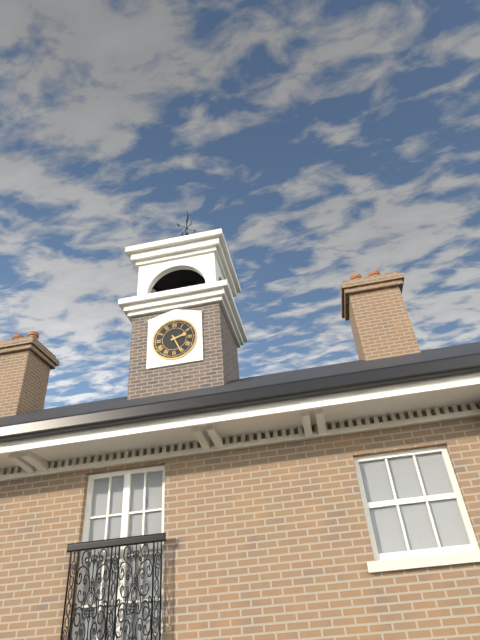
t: 2:26
